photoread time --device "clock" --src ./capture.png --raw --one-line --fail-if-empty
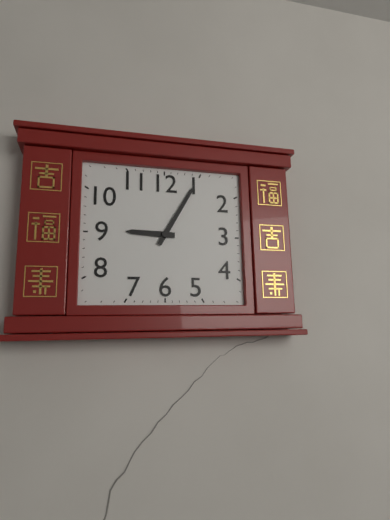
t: 9:05
